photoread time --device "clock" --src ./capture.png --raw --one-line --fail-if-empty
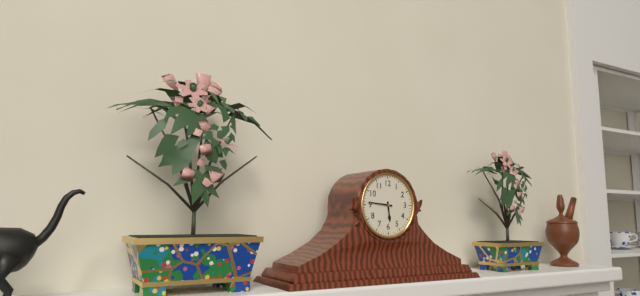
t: 5:46
